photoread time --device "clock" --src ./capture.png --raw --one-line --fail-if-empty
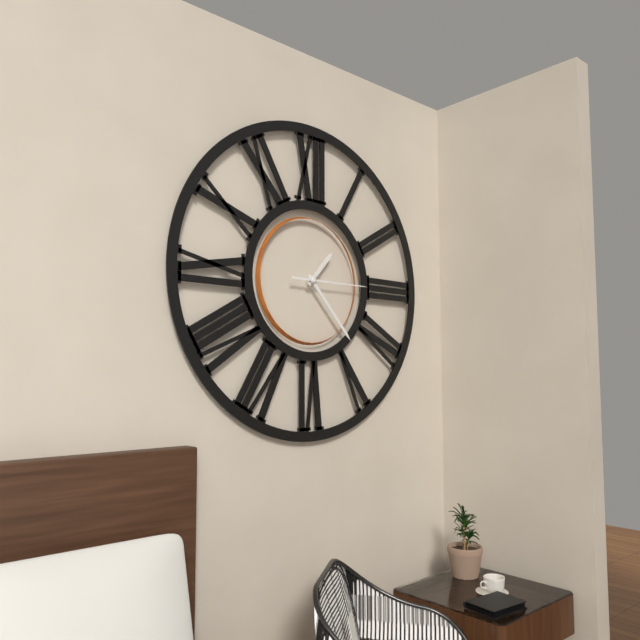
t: 1:23:15
